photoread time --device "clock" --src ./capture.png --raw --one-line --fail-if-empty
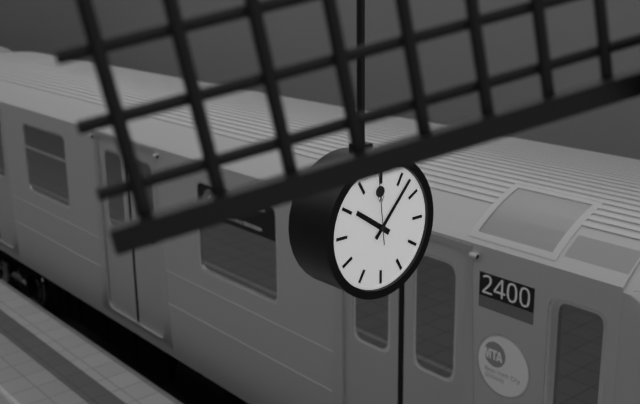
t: 10:07:59
